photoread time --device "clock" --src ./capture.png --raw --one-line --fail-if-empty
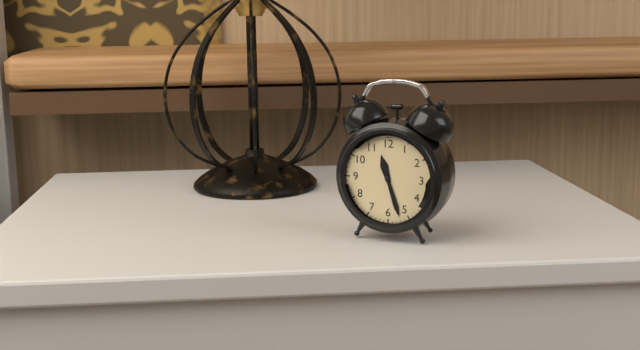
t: 11:27
